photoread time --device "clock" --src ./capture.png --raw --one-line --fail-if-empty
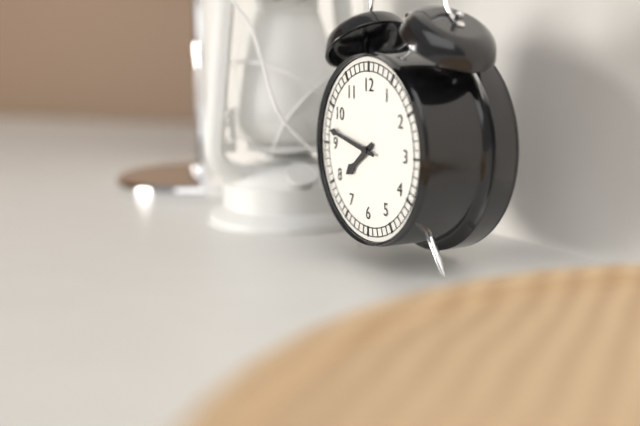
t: 7:47
